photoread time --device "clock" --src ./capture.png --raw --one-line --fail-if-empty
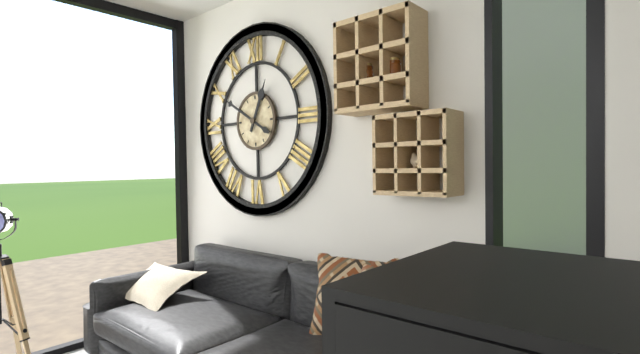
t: 12:50
